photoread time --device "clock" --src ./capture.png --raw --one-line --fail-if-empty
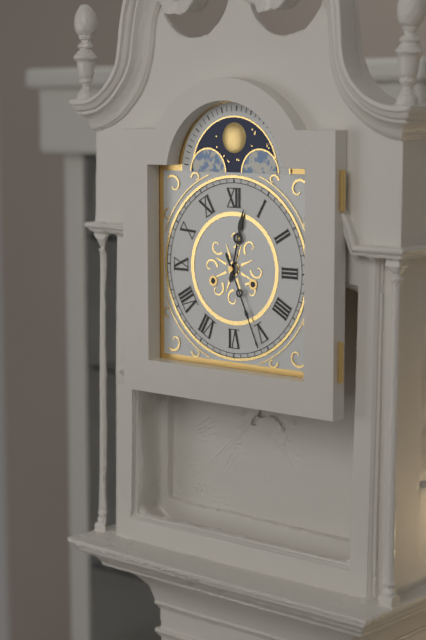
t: 12:26
